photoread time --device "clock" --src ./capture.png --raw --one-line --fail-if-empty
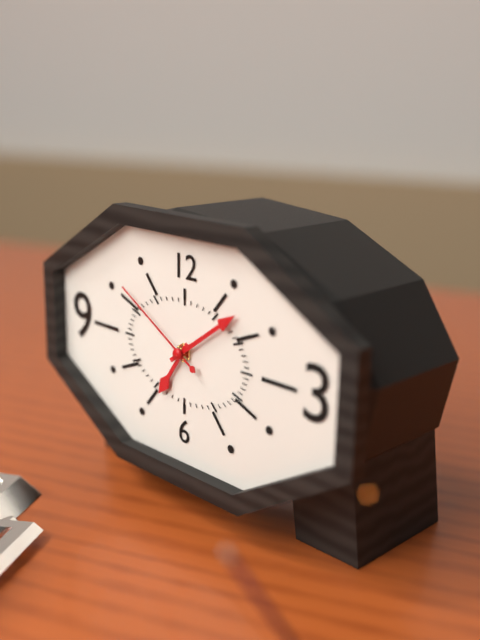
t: 7:09:50
